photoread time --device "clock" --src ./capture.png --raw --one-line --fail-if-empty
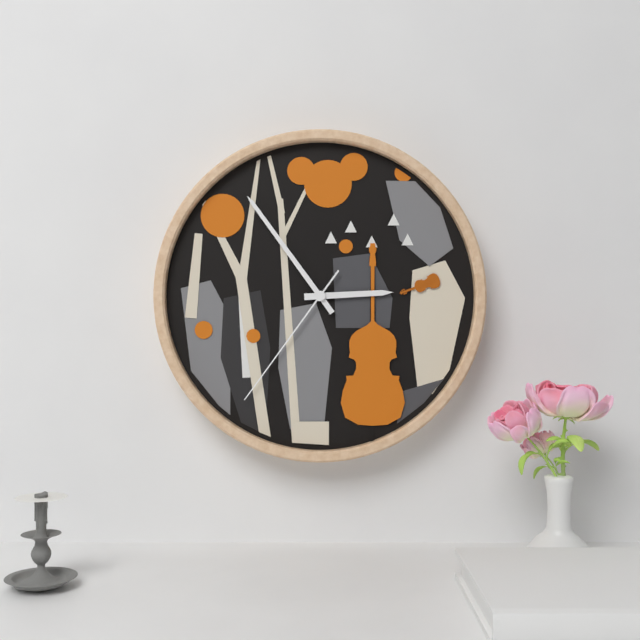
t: 2:54:36
